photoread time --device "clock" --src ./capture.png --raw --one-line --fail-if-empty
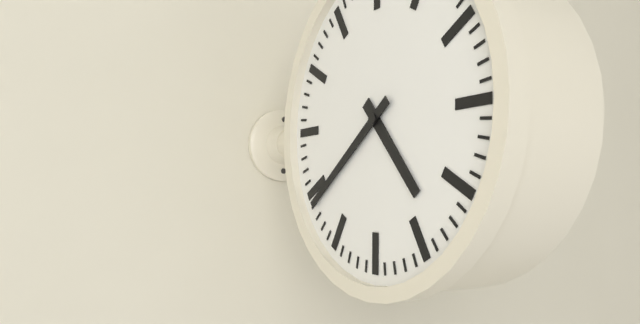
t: 4:39
